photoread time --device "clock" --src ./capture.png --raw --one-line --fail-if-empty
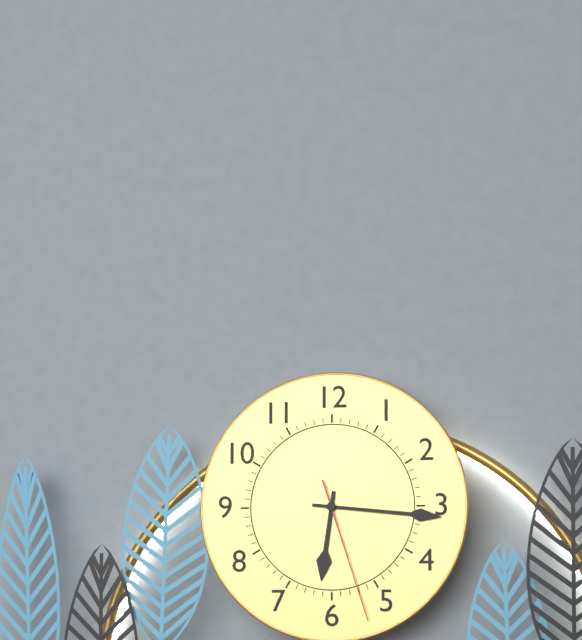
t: 6:16:27
